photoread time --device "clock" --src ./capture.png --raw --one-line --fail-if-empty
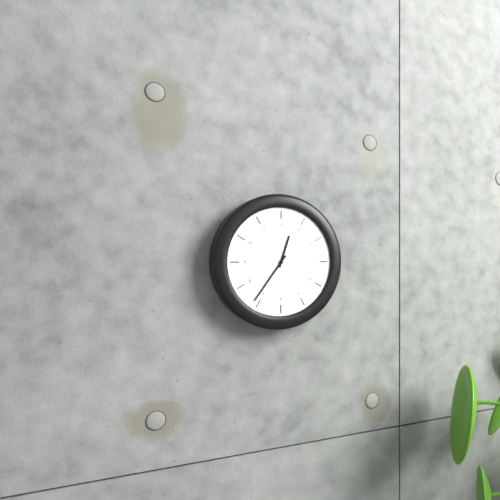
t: 12:36
